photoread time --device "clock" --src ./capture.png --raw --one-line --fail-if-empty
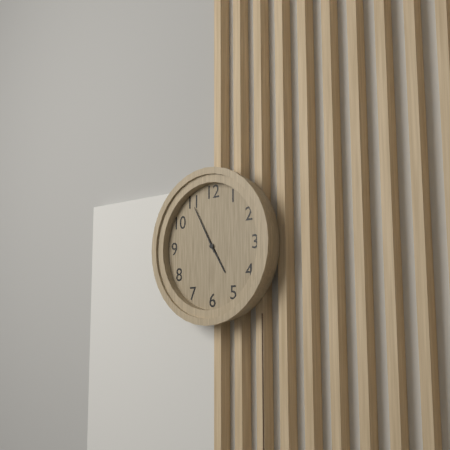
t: 4:55
